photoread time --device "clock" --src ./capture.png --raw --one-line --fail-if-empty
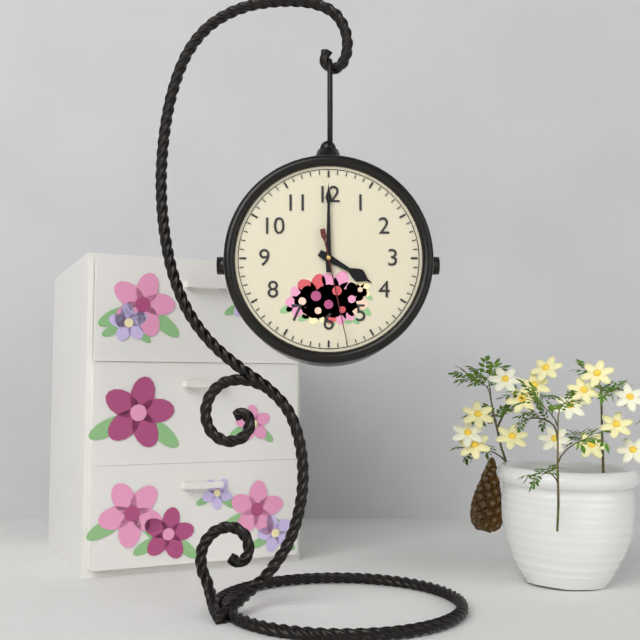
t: 4:00:28
